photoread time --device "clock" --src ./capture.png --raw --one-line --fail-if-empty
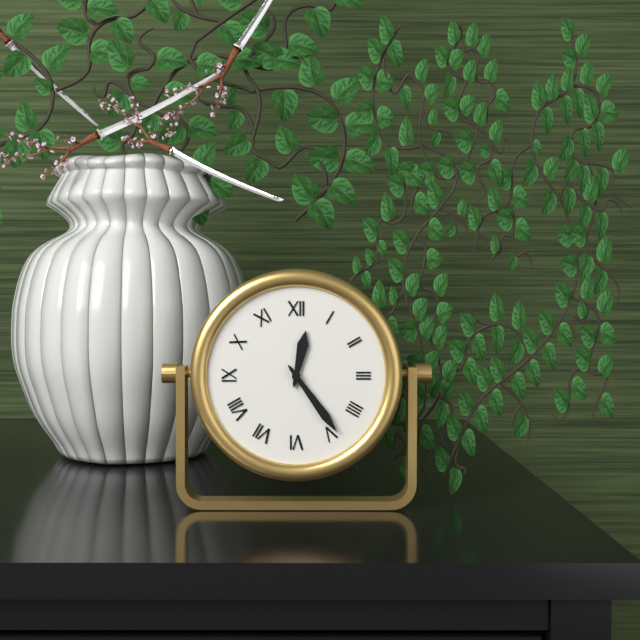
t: 12:24
